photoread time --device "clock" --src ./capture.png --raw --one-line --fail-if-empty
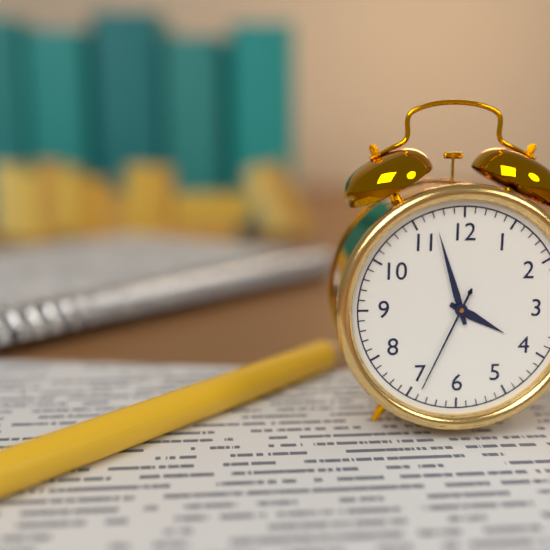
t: 3:57:34
